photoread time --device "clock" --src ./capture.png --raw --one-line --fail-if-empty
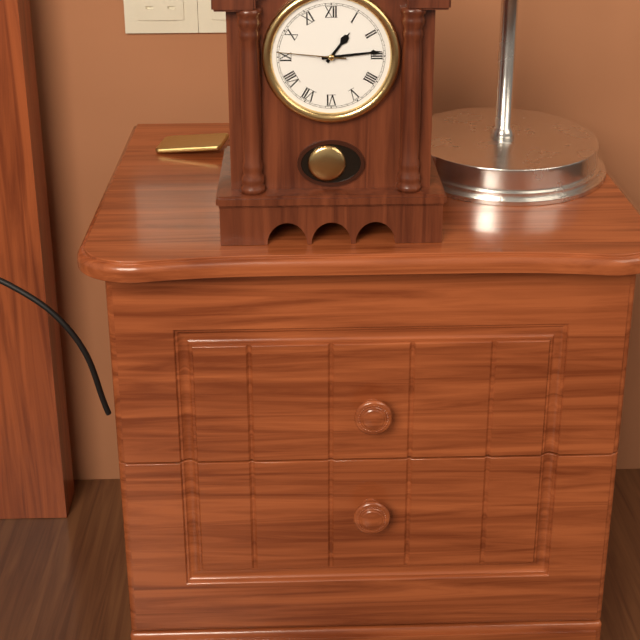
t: 1:14:46
